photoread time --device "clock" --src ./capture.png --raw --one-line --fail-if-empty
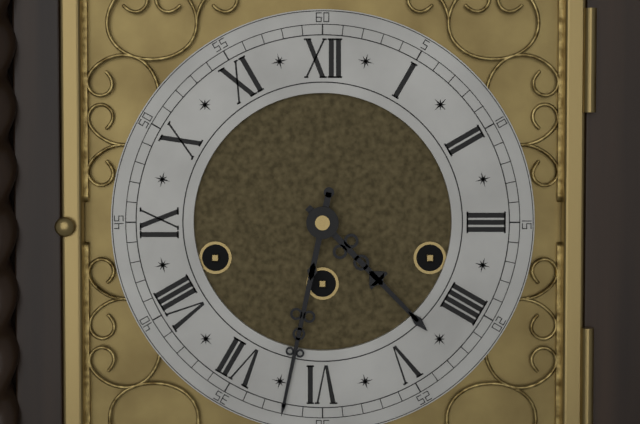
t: 4:32
